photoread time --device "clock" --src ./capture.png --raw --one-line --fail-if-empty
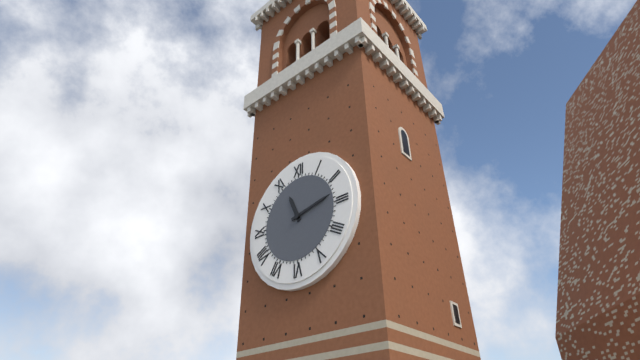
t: 11:13
